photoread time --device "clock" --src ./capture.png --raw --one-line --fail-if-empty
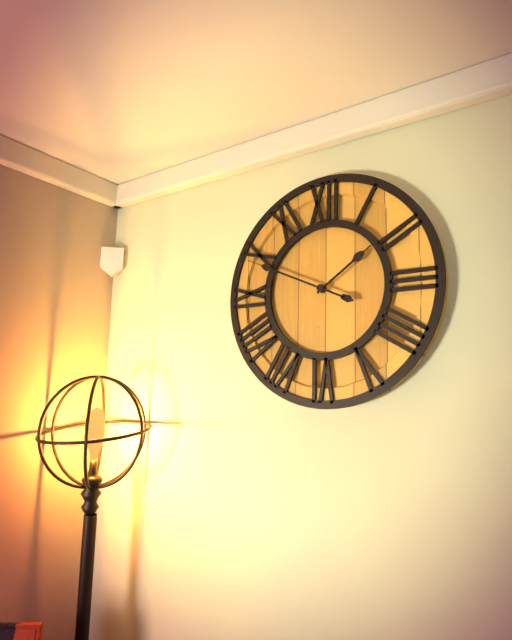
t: 1:49
